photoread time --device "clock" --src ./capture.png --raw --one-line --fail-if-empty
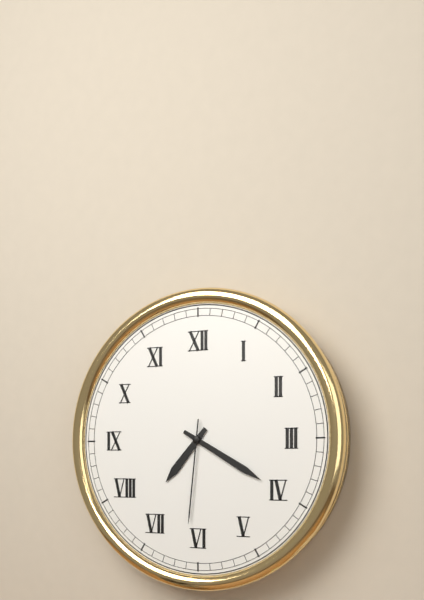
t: 7:20:31
